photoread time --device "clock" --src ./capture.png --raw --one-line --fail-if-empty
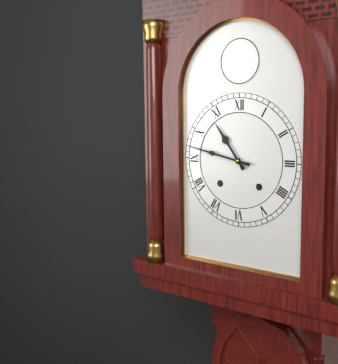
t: 10:47
